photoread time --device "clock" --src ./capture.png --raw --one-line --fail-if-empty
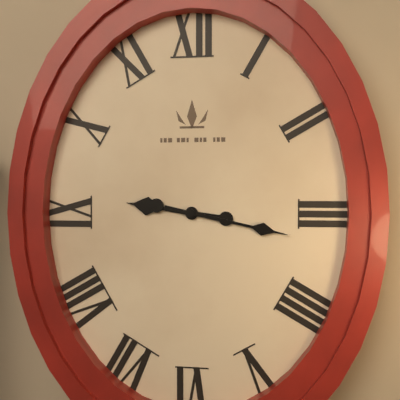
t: 9:17
